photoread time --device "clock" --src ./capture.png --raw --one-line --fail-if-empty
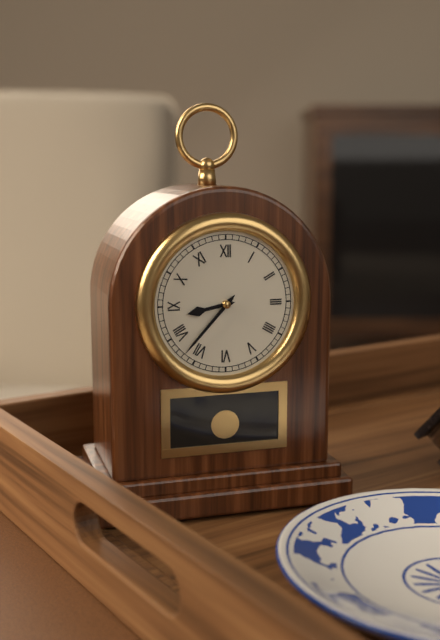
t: 8:37
